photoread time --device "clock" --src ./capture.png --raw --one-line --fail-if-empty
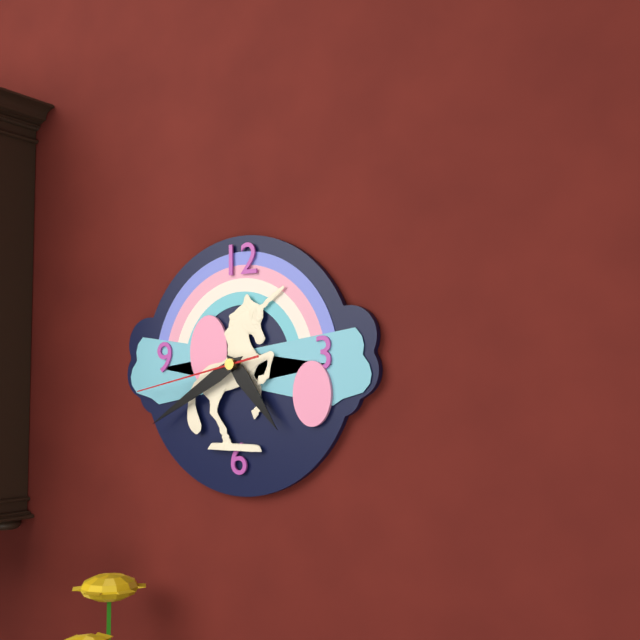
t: 4:40:43
